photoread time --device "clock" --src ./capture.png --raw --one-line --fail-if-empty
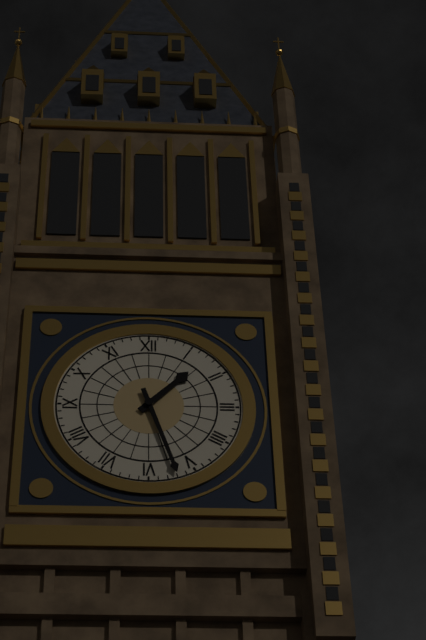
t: 1:27
